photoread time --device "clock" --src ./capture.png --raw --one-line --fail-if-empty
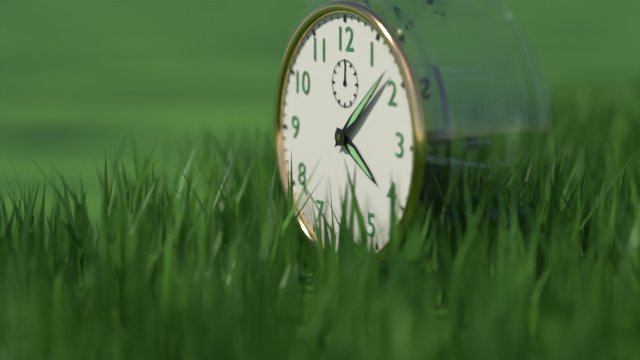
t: 4:08
